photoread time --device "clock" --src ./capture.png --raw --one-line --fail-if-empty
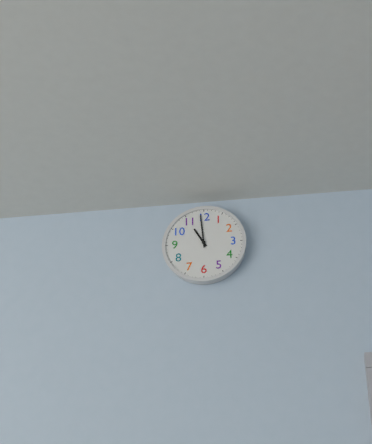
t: 10:59
